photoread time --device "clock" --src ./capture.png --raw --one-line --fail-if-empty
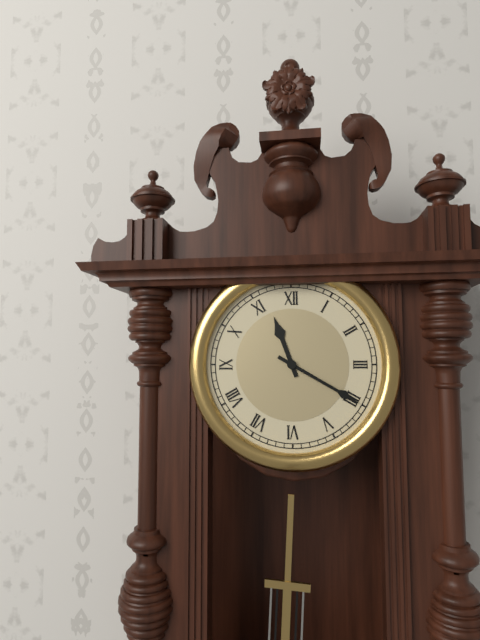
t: 11:20
